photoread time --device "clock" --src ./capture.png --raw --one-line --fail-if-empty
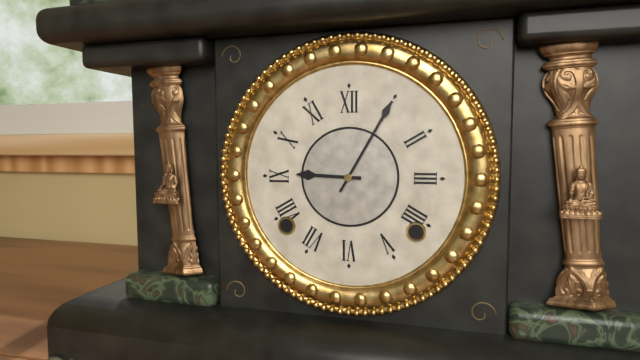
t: 9:05
